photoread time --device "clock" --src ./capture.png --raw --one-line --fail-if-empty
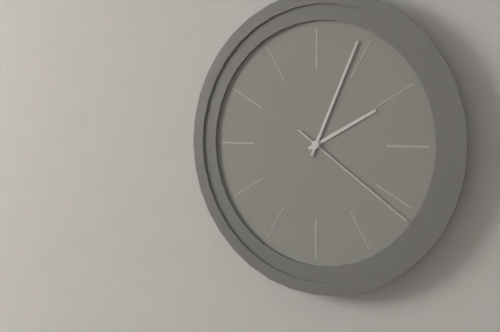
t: 2:04:21
